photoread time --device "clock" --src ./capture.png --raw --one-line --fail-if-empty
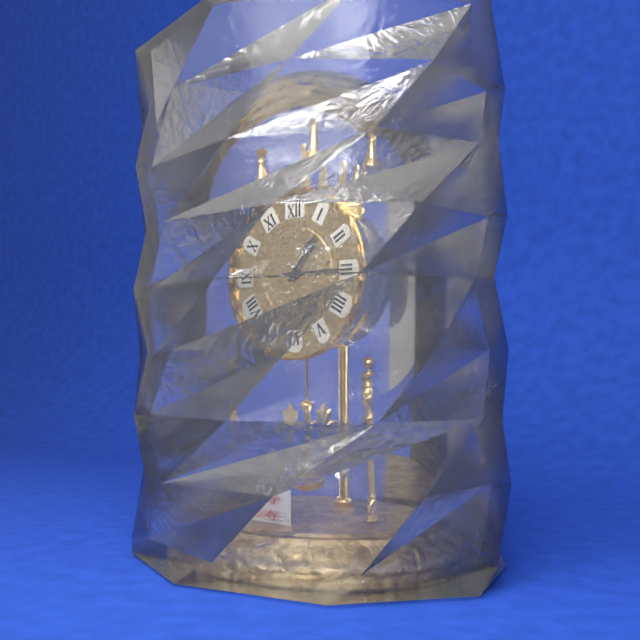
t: 1:15
